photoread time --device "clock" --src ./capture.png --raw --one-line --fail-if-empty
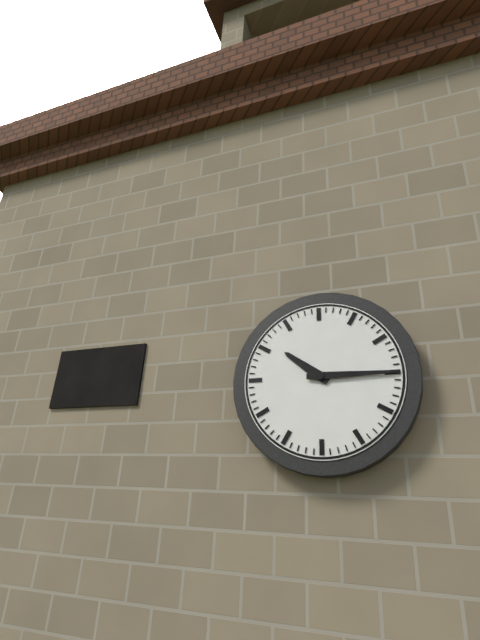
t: 10:15
